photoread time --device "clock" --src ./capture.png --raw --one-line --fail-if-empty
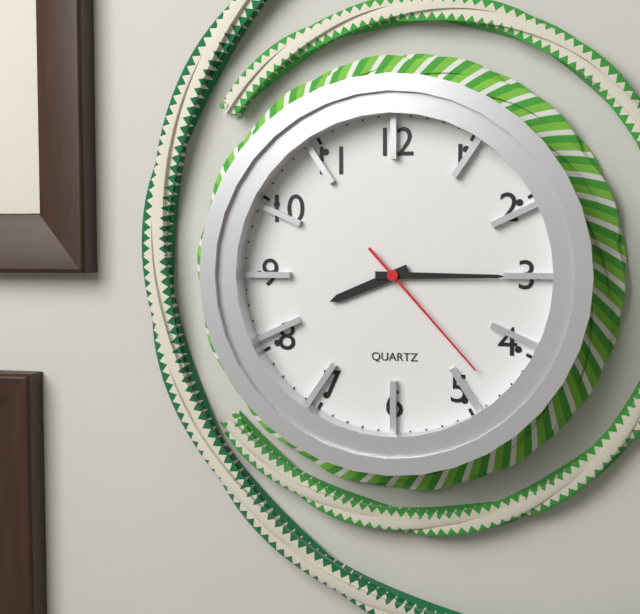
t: 8:15:23
